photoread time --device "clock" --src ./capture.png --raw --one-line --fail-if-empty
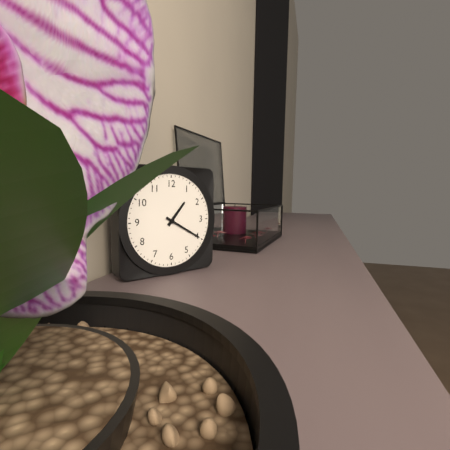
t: 1:20
